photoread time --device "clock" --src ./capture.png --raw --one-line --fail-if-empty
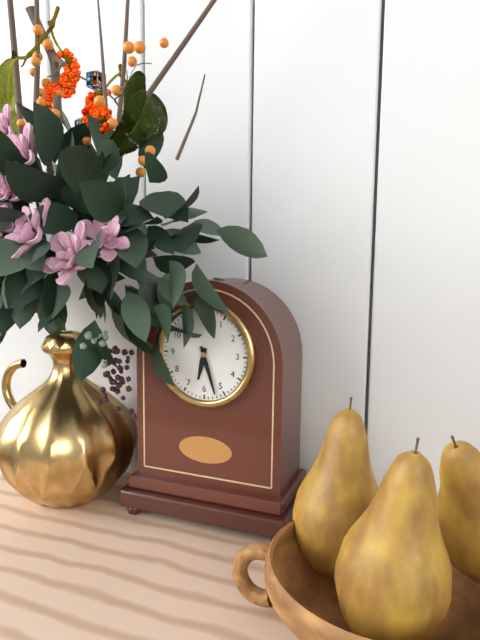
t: 6:27
